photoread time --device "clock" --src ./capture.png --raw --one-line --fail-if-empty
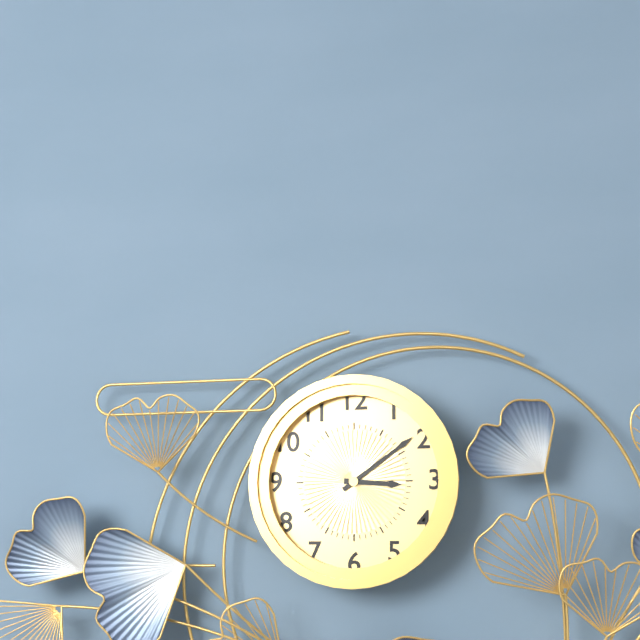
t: 3:09
